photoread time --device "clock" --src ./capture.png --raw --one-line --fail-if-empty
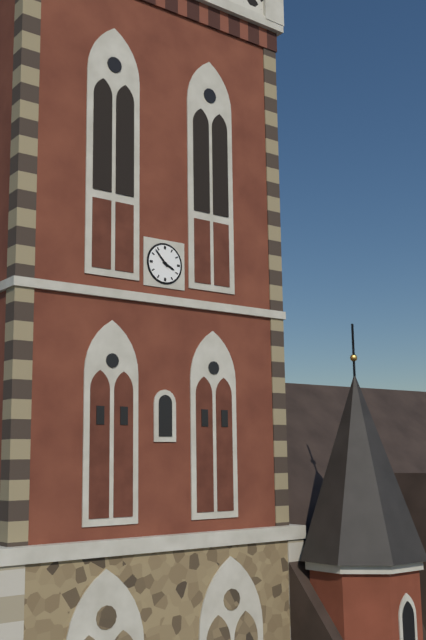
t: 3:53
